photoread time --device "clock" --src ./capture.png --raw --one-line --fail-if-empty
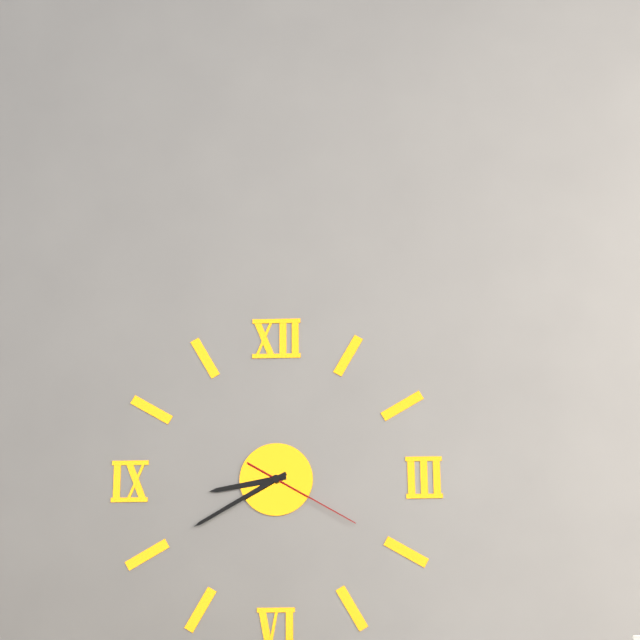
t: 8:40:20
